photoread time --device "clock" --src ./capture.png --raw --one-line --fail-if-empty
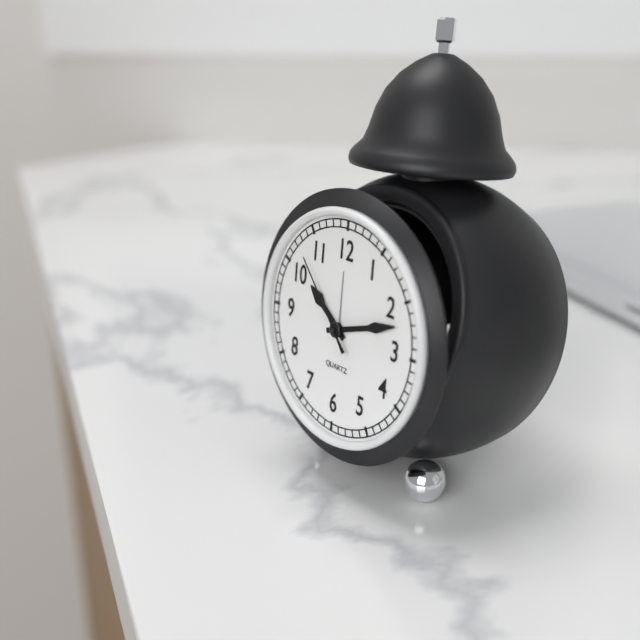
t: 10:12:53
